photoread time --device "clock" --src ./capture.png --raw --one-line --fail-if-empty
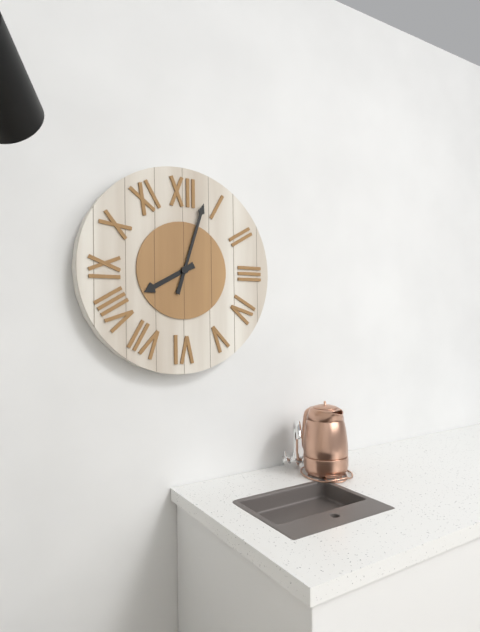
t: 8:03
